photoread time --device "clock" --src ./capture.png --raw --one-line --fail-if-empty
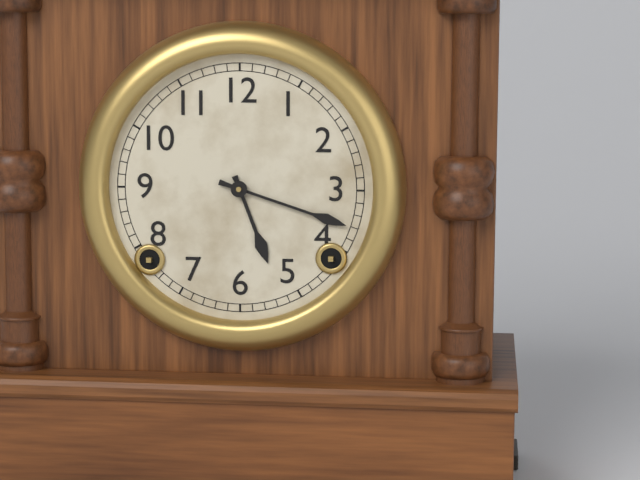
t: 5:18
